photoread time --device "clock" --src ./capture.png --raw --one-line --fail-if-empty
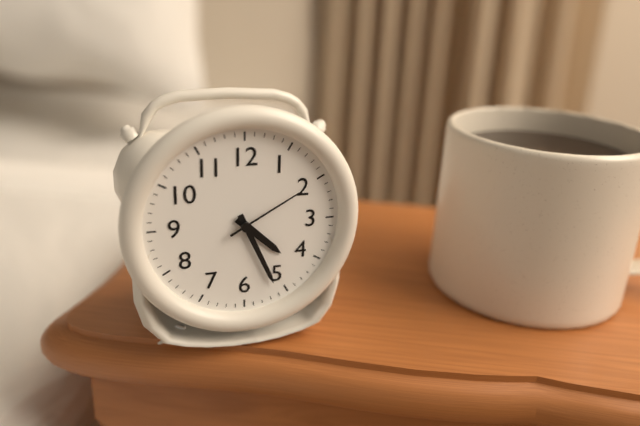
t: 4:26:10
